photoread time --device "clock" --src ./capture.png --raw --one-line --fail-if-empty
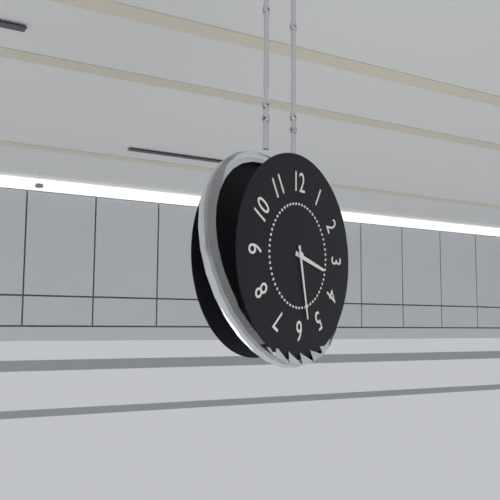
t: 3:28
